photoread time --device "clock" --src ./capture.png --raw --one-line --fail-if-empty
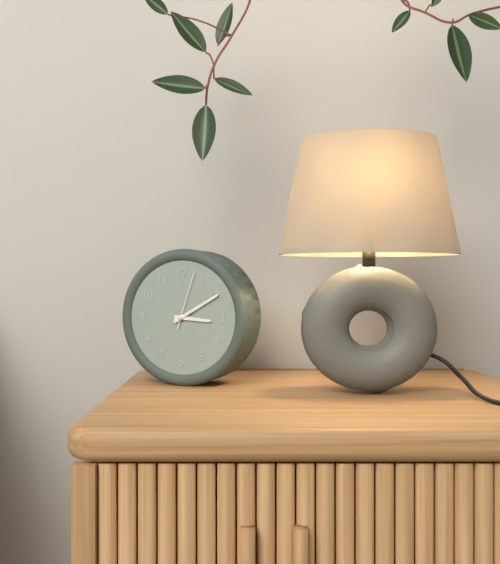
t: 3:10:03
